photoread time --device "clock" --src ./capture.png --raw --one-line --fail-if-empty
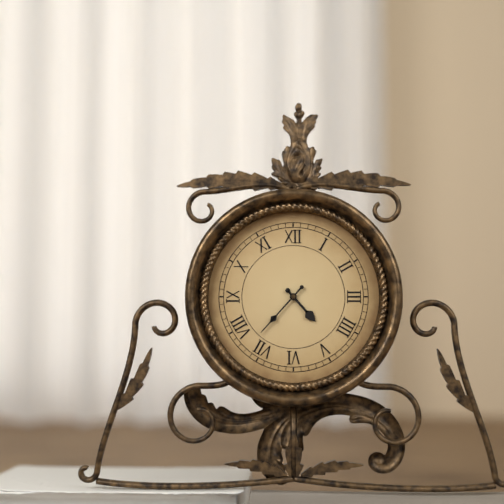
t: 4:37
